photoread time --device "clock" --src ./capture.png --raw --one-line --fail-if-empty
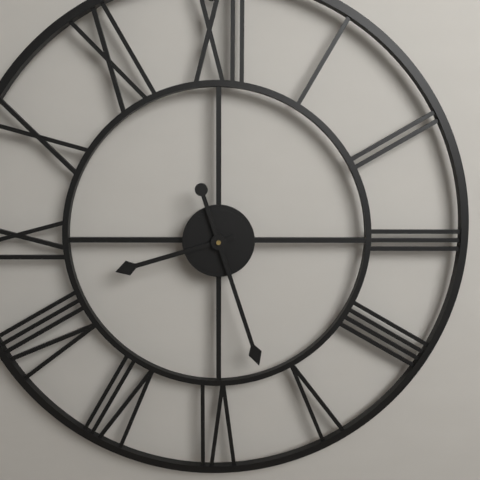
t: 8:27
